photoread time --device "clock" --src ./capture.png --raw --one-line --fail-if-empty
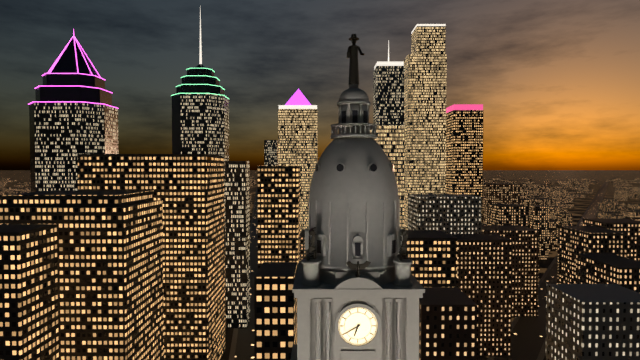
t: 6:40
